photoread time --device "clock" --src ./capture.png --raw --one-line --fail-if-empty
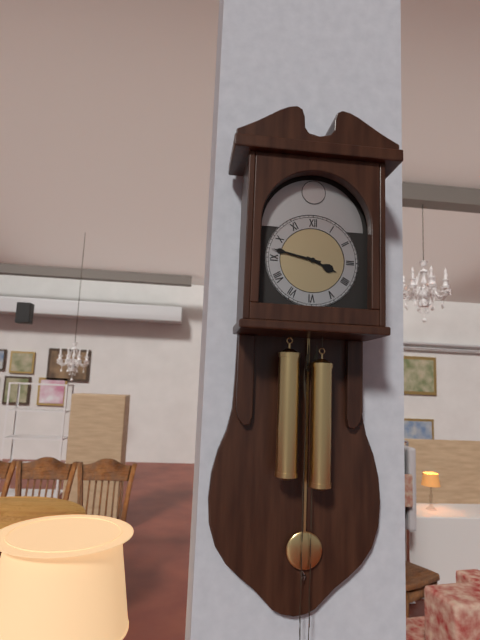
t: 3:47
